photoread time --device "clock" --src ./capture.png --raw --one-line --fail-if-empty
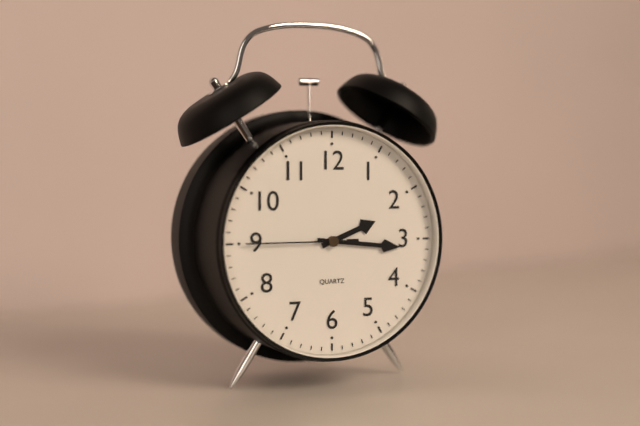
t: 2:16:45
